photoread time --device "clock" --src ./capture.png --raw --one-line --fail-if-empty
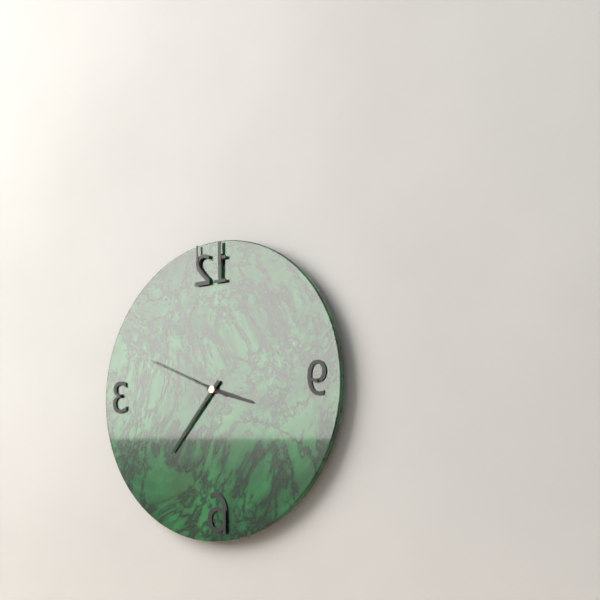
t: 3:37:49
